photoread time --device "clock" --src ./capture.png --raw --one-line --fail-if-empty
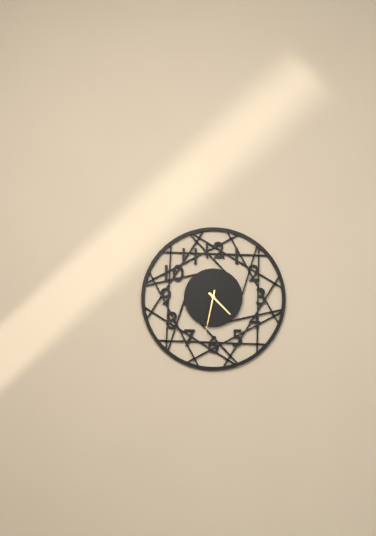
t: 4:32
